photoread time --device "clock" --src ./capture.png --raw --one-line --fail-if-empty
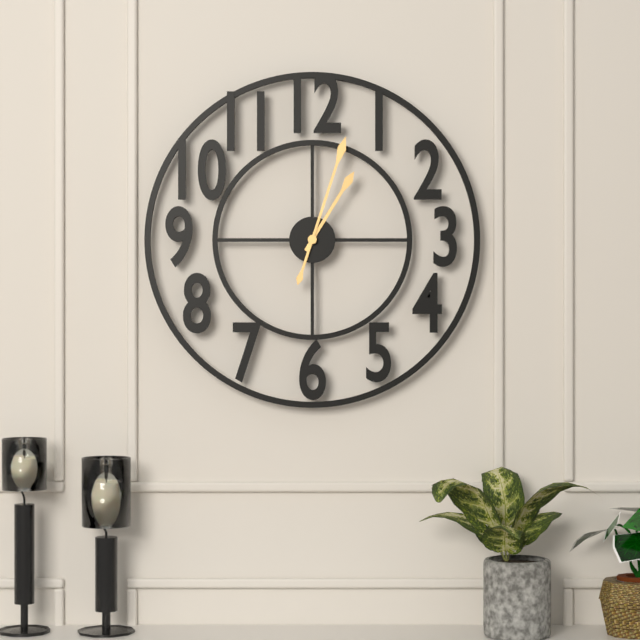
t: 1:03
